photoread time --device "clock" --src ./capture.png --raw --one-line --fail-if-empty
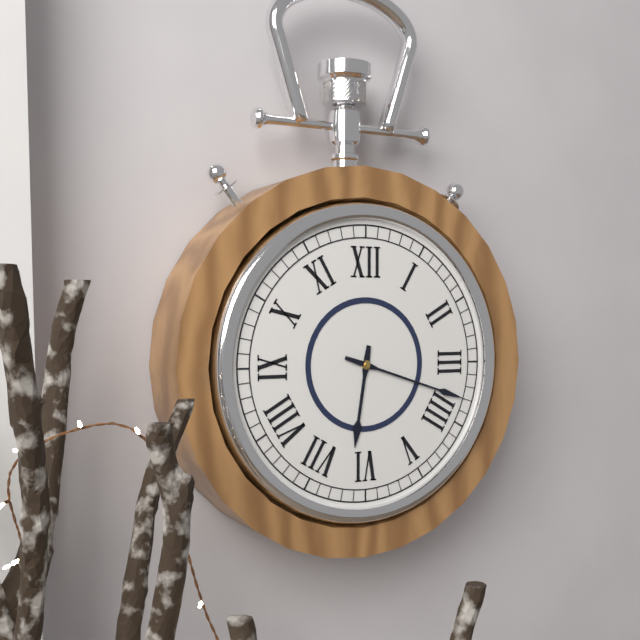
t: 6:18
